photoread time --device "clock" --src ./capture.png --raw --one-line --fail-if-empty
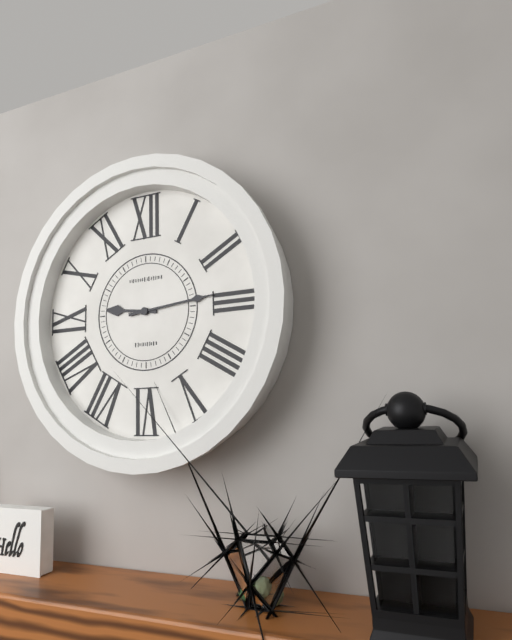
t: 9:14
